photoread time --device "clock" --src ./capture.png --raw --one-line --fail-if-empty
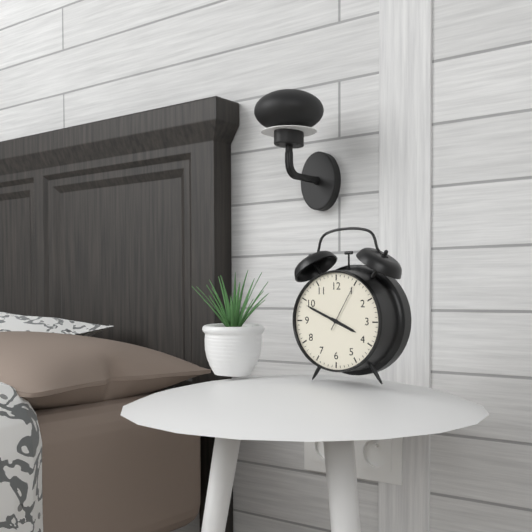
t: 3:49:05
